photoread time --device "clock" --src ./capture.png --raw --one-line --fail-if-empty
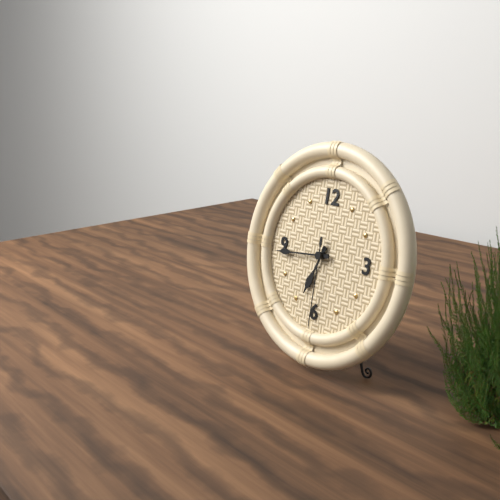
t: 6:44:30
